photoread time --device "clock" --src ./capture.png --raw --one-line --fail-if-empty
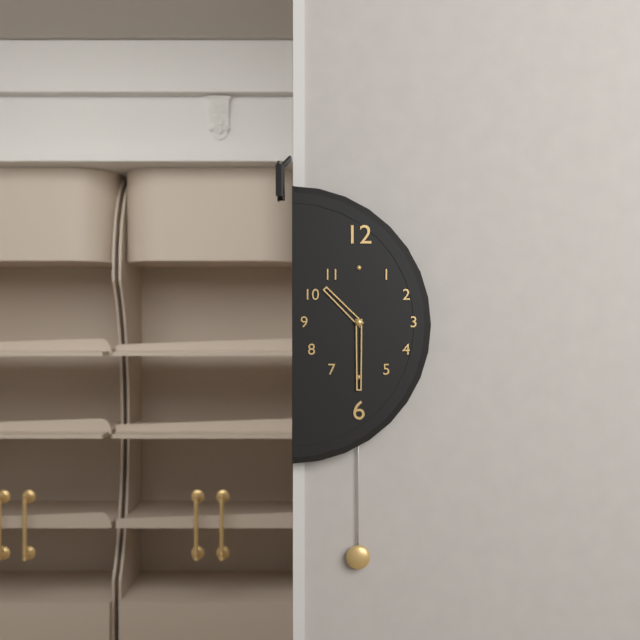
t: 10:30
